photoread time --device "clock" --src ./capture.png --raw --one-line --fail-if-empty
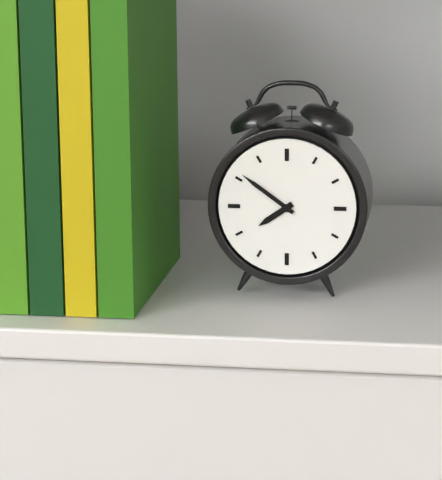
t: 7:51
